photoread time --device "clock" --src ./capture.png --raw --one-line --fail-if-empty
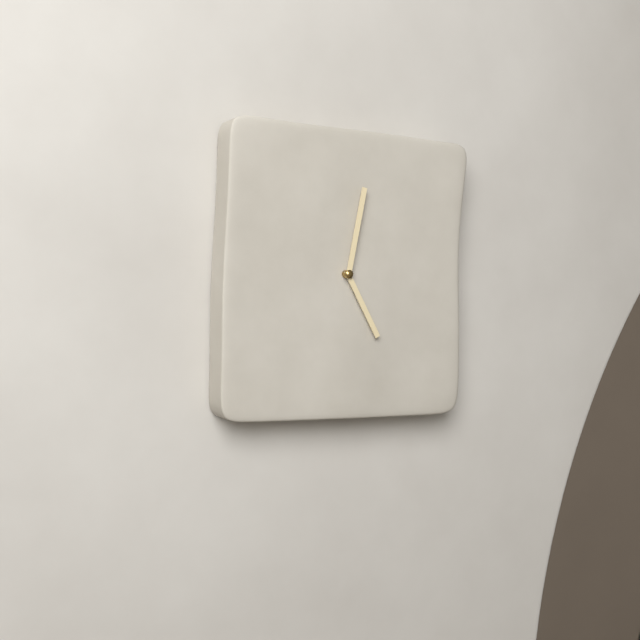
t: 5:02
